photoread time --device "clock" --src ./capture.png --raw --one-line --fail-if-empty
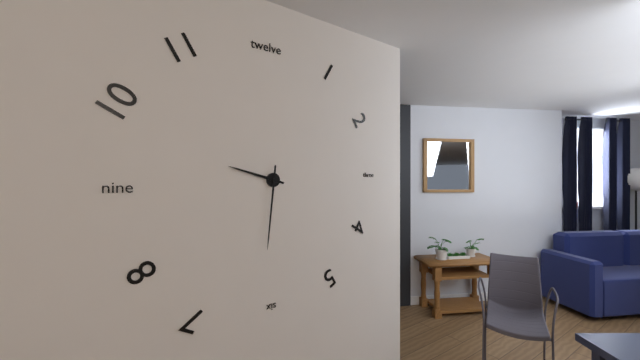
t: 9:31
